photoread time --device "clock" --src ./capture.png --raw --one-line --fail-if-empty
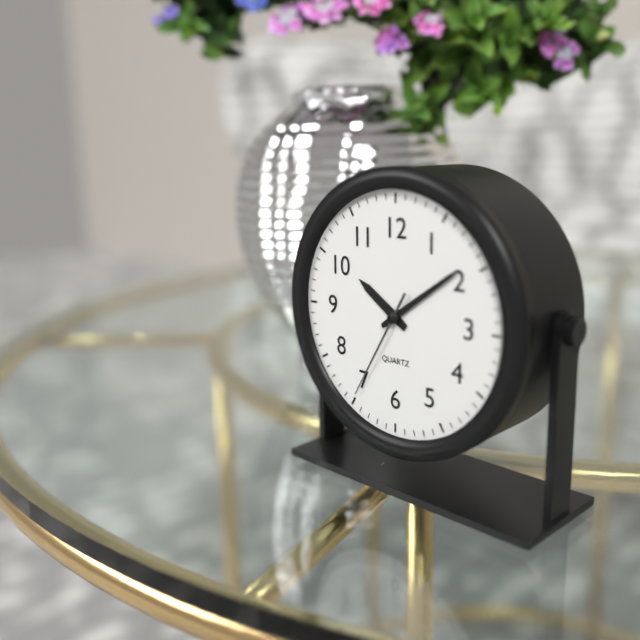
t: 10:09:35
